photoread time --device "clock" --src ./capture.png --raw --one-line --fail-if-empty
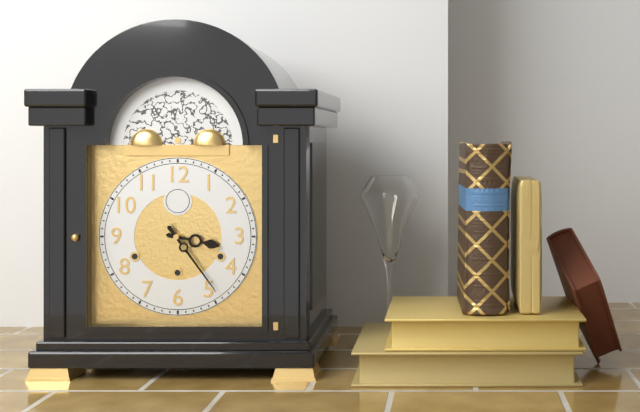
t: 3:24
